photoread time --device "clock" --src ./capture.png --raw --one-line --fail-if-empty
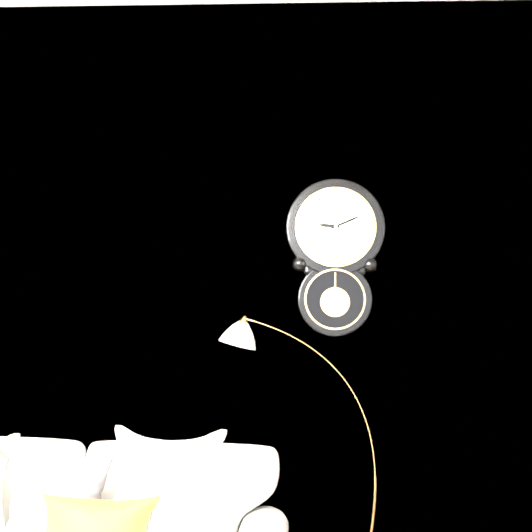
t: 9:11
